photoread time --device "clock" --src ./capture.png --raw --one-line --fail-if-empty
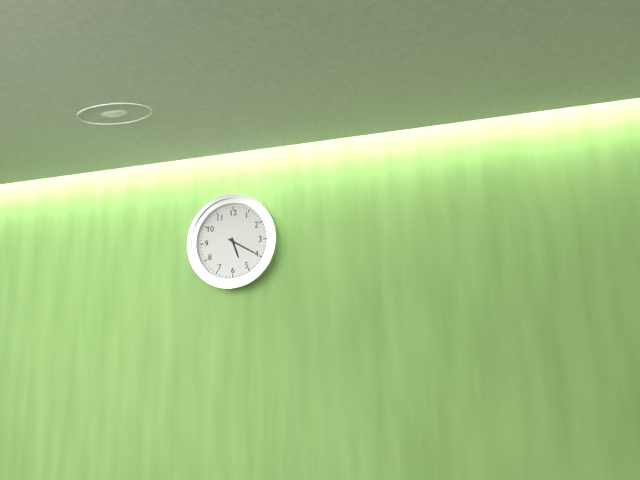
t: 5:20
